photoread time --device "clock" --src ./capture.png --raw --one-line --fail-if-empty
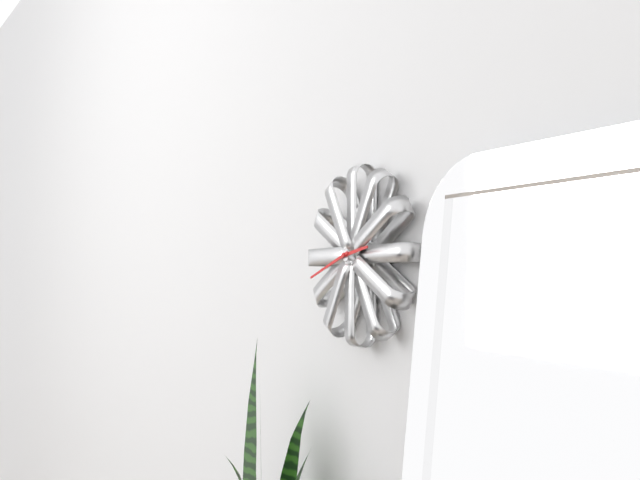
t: 2:42
